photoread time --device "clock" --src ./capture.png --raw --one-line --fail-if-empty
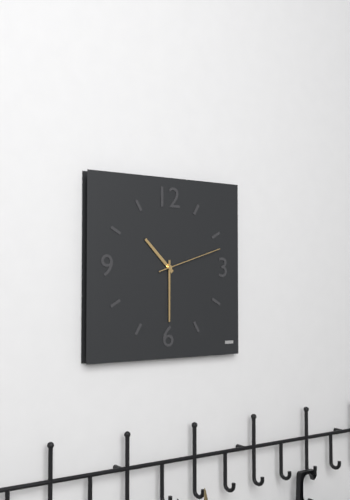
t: 10:30:12
